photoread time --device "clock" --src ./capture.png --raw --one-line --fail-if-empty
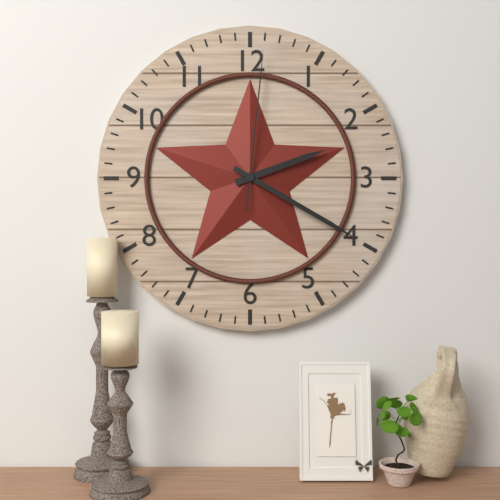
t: 2:20:01
